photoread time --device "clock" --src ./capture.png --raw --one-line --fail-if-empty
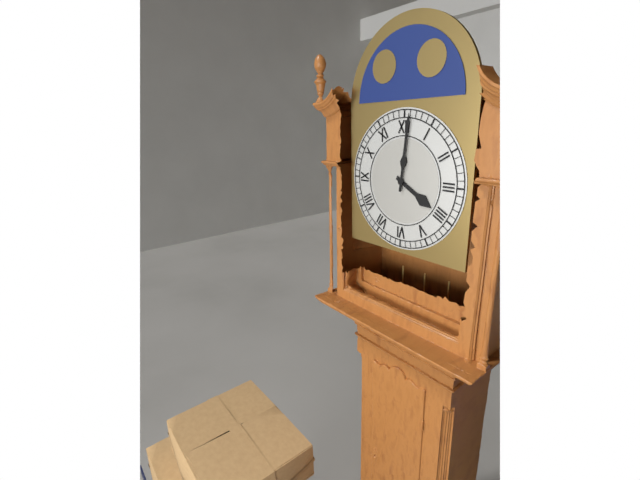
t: 4:01
